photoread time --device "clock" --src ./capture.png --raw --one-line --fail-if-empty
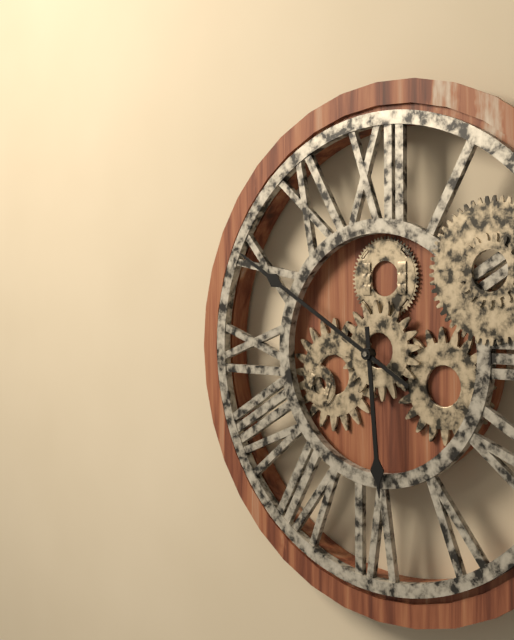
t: 5:50
